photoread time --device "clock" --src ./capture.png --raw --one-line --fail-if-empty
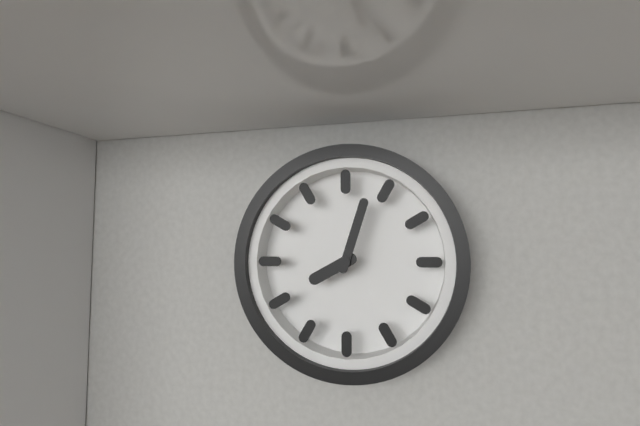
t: 8:03
